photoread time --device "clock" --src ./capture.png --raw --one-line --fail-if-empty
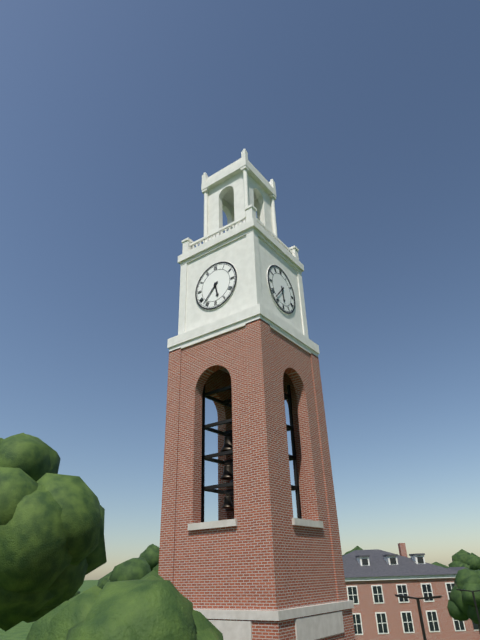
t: 5:37
